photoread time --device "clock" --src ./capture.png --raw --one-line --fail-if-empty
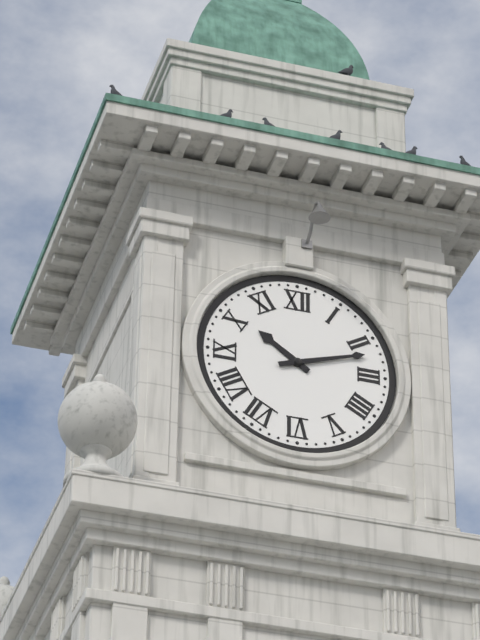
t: 10:12
